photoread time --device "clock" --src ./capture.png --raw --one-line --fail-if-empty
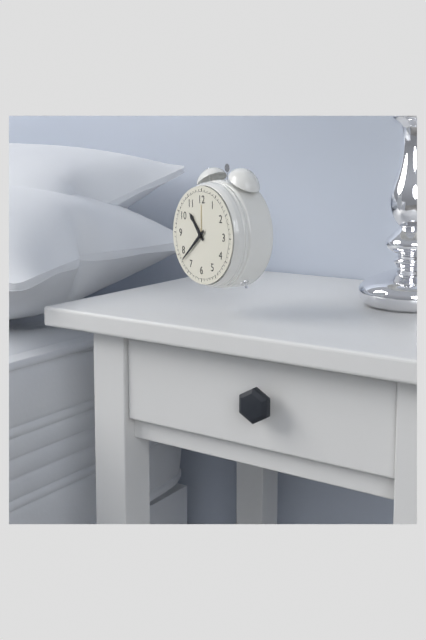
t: 10:38
